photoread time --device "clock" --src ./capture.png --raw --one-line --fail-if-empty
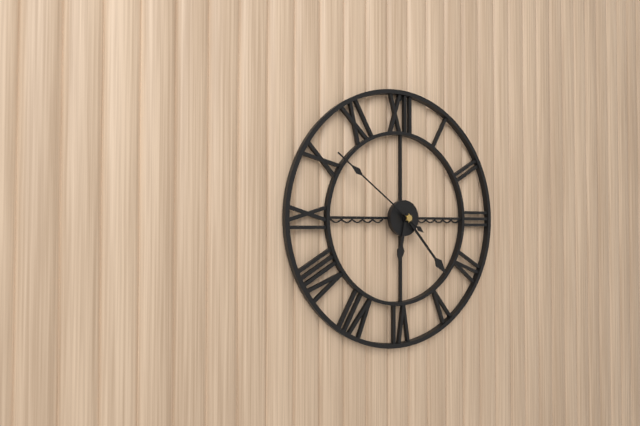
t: 6:23:51
